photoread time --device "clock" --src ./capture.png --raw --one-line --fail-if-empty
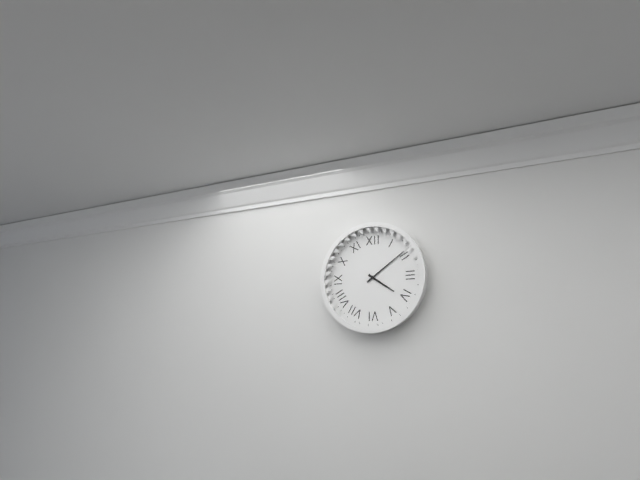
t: 4:09
